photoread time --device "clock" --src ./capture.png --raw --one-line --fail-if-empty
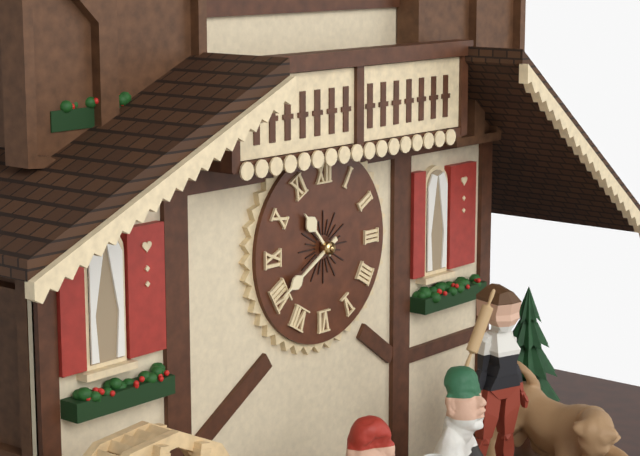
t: 10:40
